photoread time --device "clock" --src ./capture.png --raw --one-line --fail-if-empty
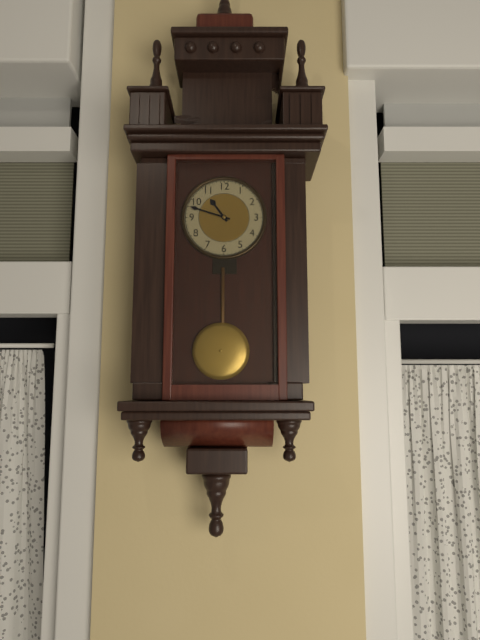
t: 10:48
